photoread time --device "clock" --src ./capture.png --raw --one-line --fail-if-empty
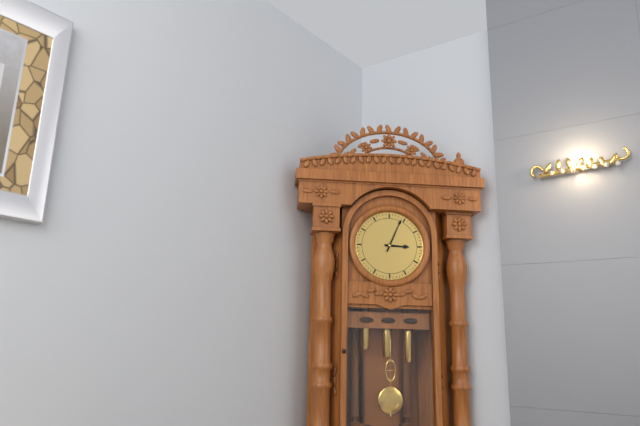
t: 3:04
